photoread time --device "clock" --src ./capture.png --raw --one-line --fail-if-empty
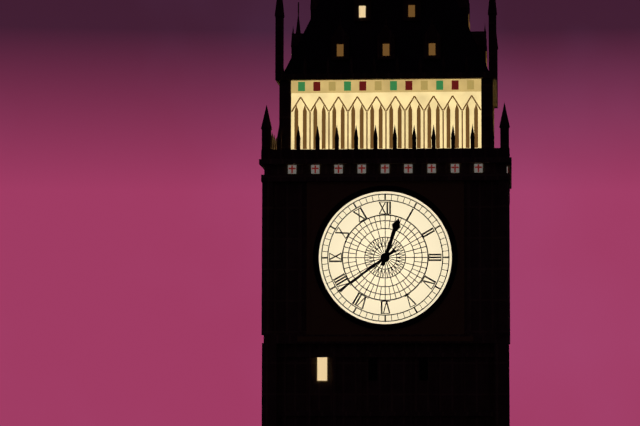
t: 12:39
